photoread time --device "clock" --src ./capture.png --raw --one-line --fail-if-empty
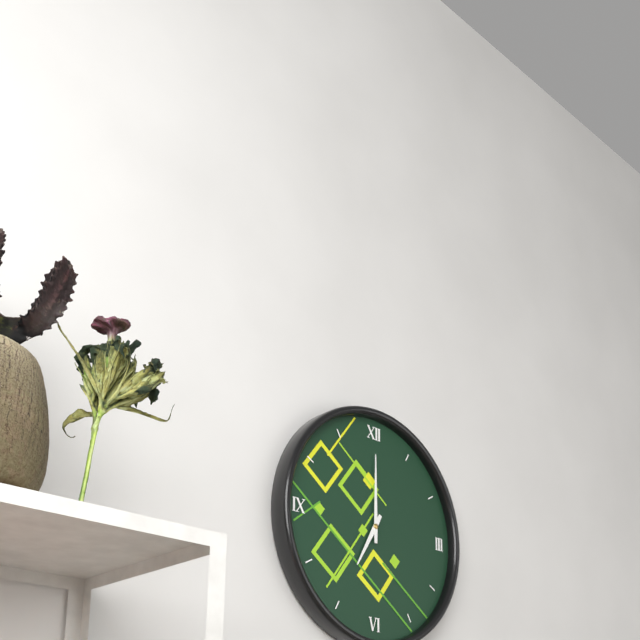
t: 7:00
